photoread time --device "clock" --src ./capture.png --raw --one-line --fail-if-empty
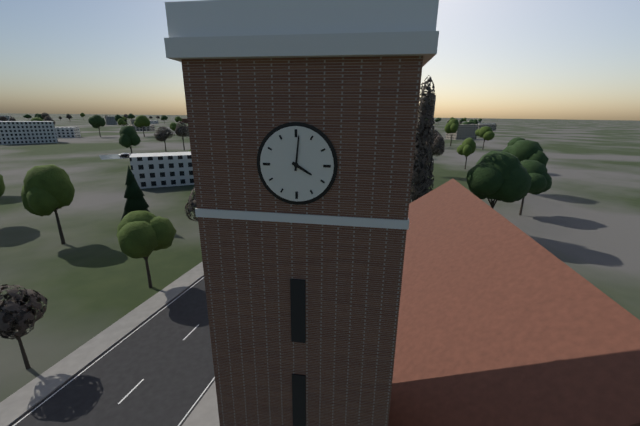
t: 4:01
